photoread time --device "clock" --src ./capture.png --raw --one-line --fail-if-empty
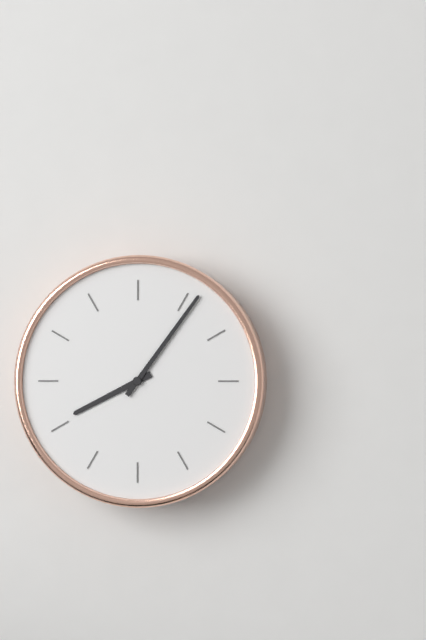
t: 8:06
